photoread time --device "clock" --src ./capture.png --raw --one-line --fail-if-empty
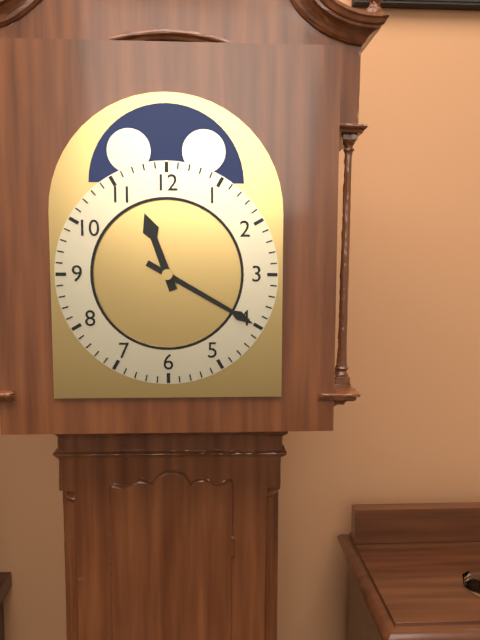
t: 11:20
